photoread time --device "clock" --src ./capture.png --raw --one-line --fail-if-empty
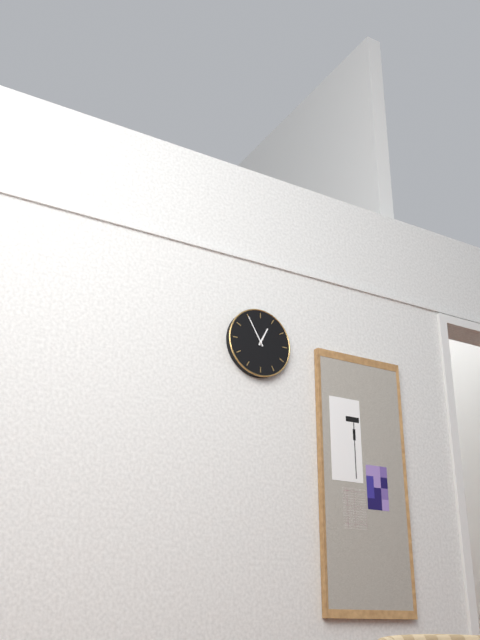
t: 12:55
